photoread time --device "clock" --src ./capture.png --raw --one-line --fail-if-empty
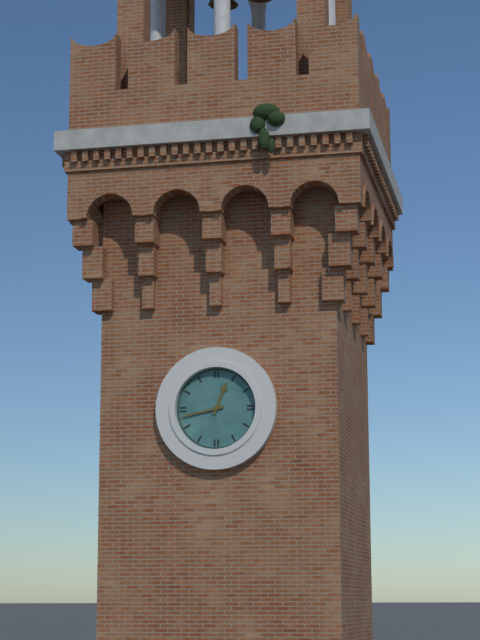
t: 12:43
